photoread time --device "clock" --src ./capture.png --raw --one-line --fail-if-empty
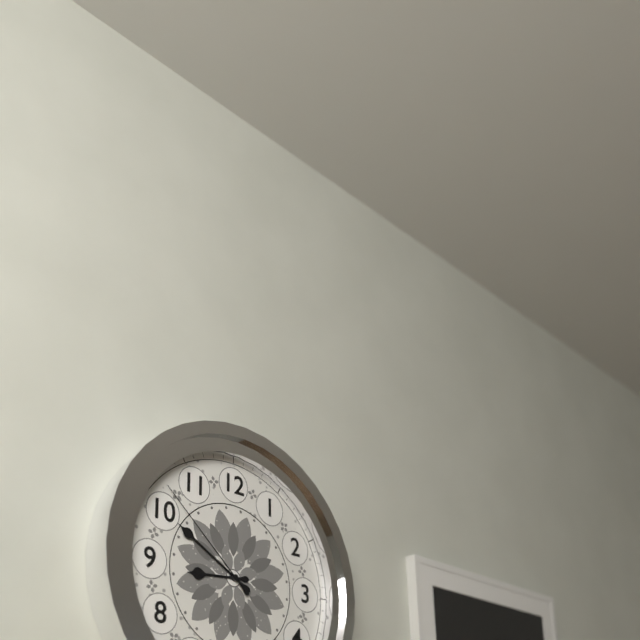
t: 8:50:52
